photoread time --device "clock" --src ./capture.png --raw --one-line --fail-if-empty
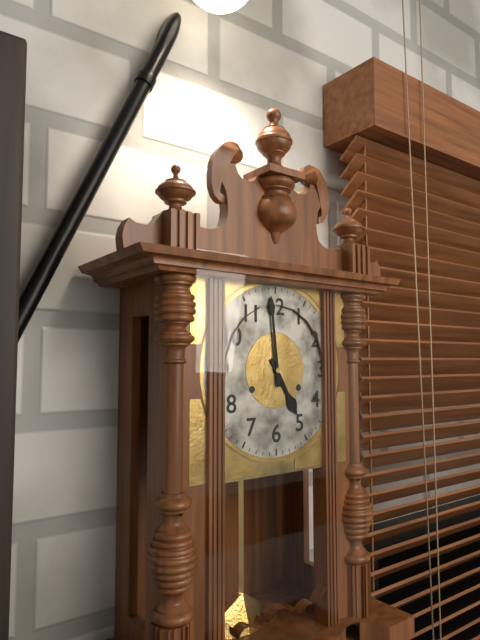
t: 4:59
